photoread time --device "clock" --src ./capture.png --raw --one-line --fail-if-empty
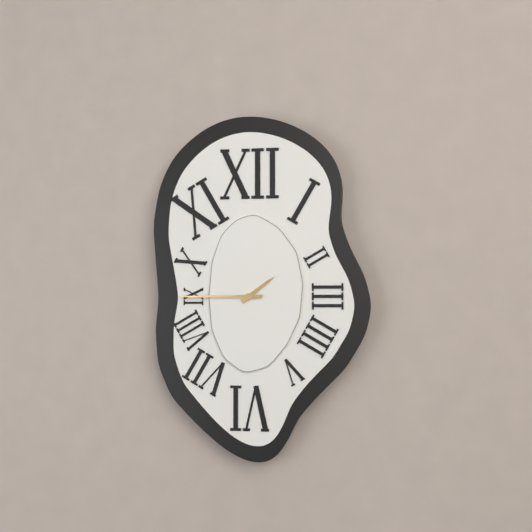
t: 1:45
